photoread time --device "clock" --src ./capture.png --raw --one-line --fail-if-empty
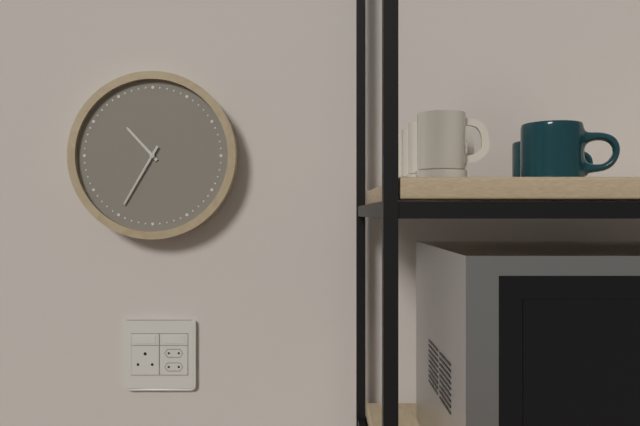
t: 10:35
